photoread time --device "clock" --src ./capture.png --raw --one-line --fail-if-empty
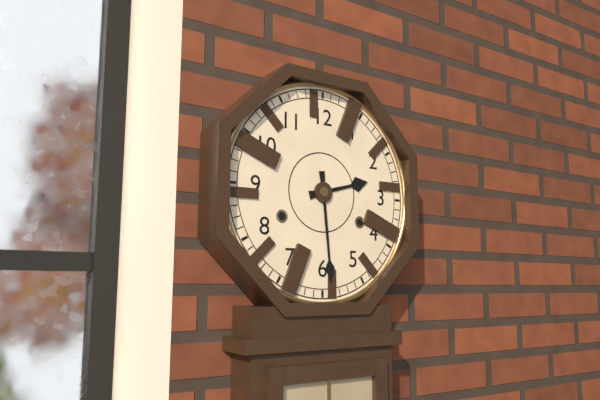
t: 2:29
